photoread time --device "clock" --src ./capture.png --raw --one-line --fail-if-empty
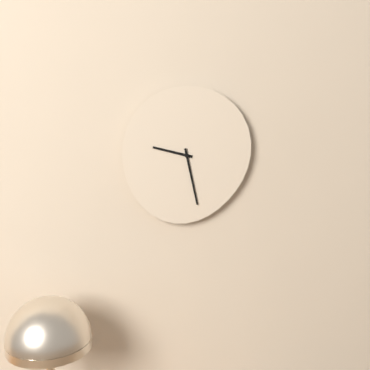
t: 9:28
